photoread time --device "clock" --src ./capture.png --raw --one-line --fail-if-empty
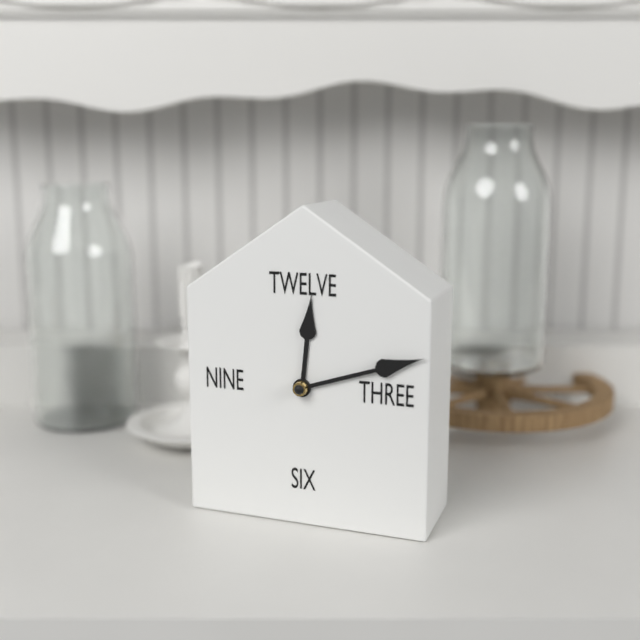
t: 12:12
